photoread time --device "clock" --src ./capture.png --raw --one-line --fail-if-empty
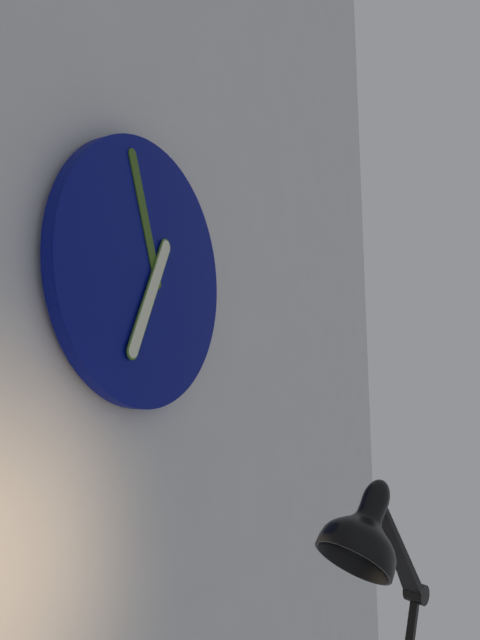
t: 6:57
